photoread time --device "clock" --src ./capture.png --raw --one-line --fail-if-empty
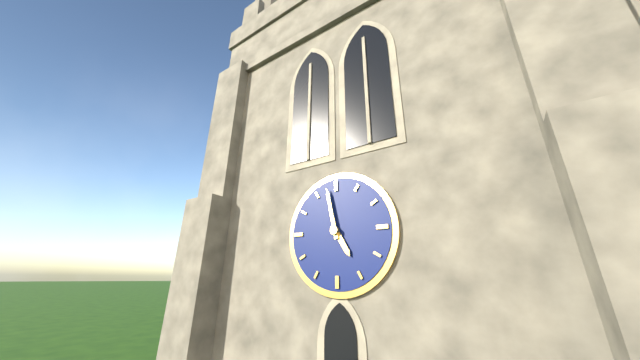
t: 4:58
